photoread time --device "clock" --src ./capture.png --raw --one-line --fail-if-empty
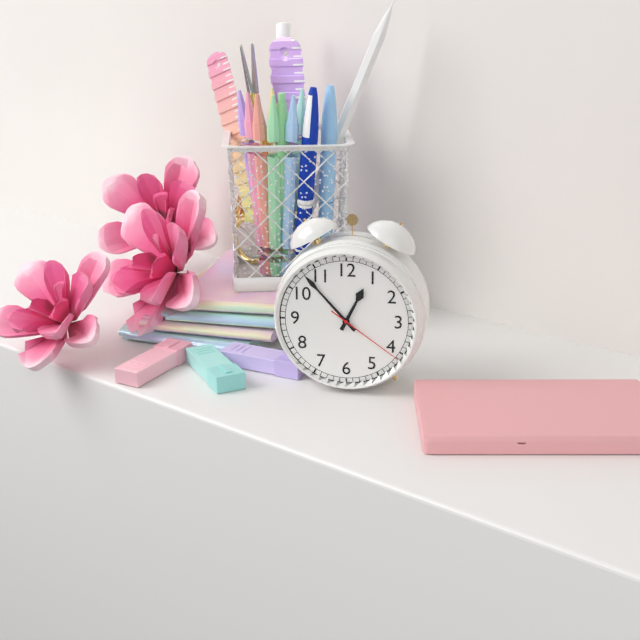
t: 12:53:21
